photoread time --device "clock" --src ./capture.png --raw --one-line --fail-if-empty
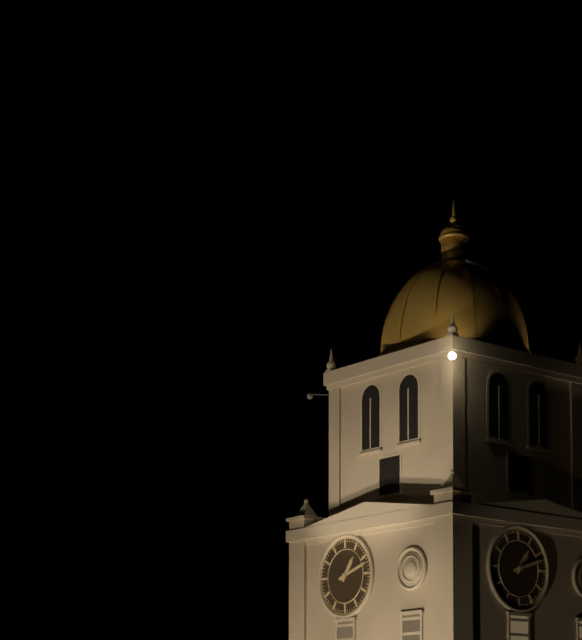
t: 1:12
